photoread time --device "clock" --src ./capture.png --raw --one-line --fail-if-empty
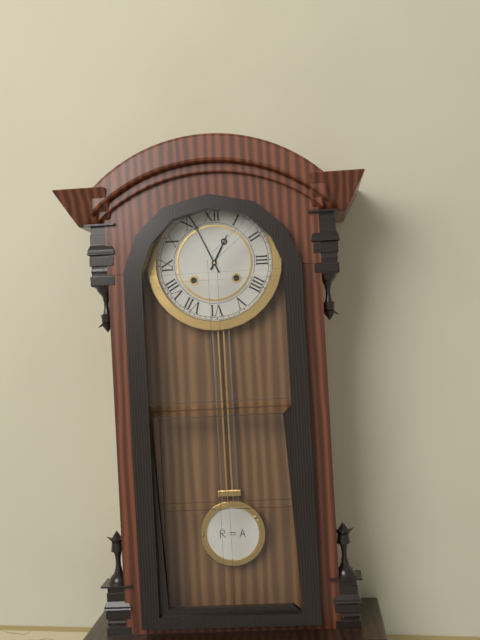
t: 12:56
